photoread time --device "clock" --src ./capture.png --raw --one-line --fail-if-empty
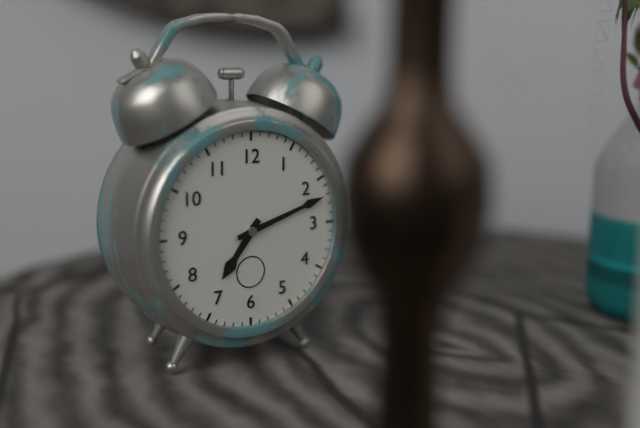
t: 7:12
